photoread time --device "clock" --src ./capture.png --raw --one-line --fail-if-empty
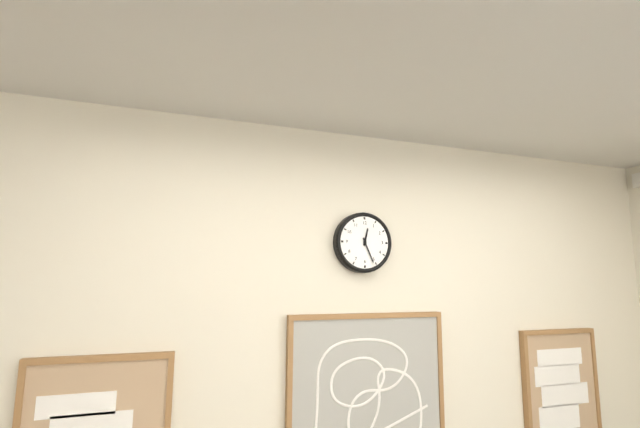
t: 12:26
